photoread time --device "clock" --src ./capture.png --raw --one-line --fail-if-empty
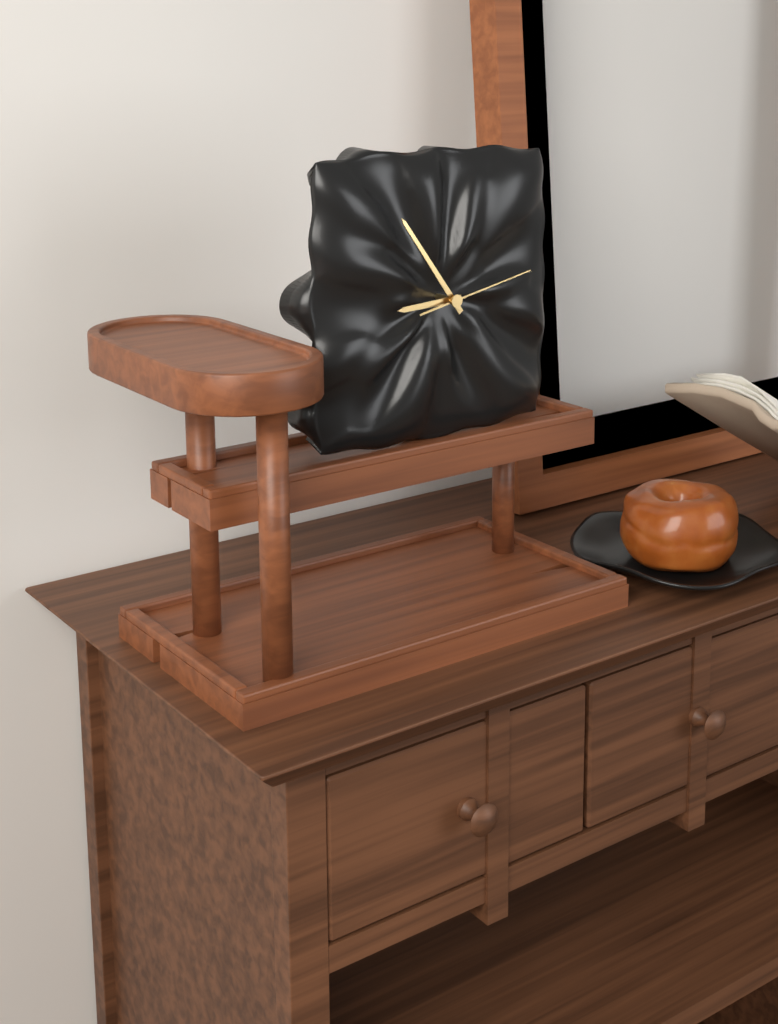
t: 8:54:13
